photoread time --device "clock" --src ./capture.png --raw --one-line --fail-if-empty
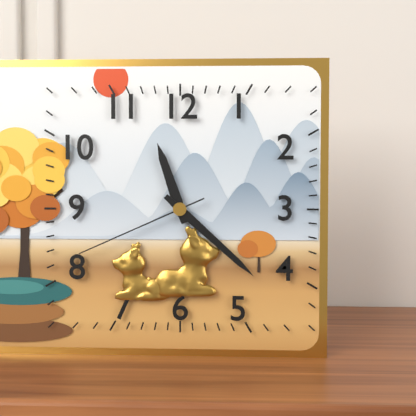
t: 11:22:41
